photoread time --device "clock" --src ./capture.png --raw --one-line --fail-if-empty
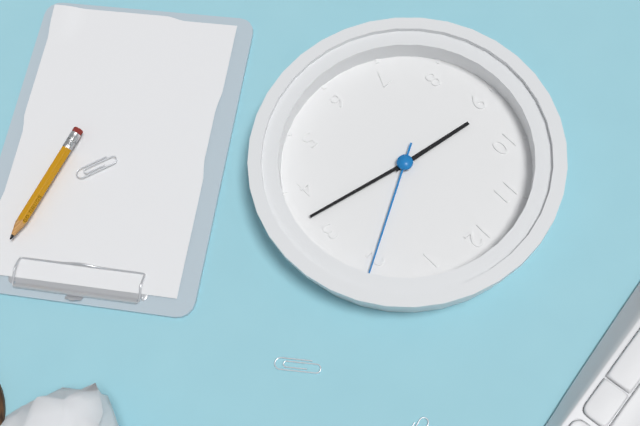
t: 9:17:10
